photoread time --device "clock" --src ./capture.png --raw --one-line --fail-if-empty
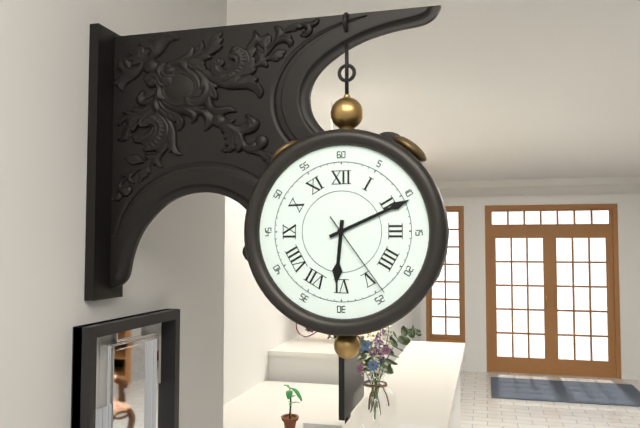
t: 6:11:24
